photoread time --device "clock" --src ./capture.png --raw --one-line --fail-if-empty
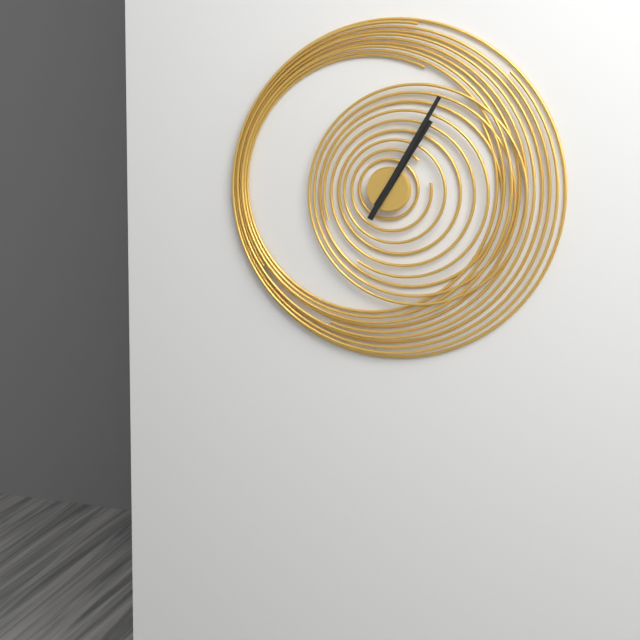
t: 1:05
